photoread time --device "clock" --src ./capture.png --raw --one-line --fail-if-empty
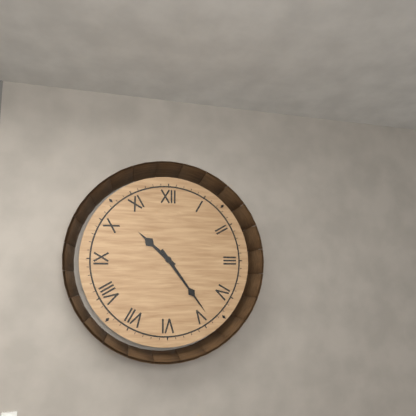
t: 10:24
